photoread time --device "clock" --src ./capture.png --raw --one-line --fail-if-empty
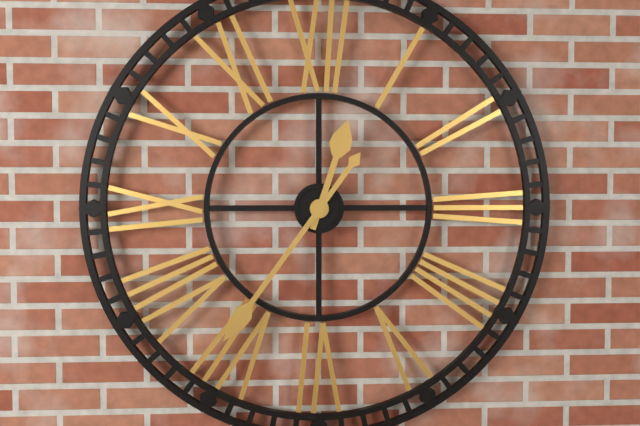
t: 12:36
